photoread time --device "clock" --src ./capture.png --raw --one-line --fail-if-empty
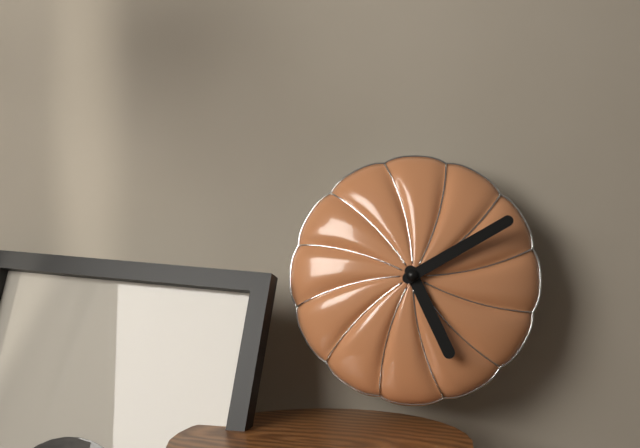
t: 5:10
